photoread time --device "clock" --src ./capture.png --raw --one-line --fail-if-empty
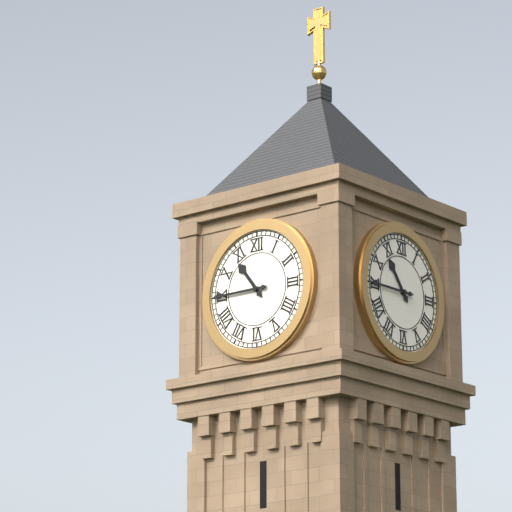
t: 10:45
